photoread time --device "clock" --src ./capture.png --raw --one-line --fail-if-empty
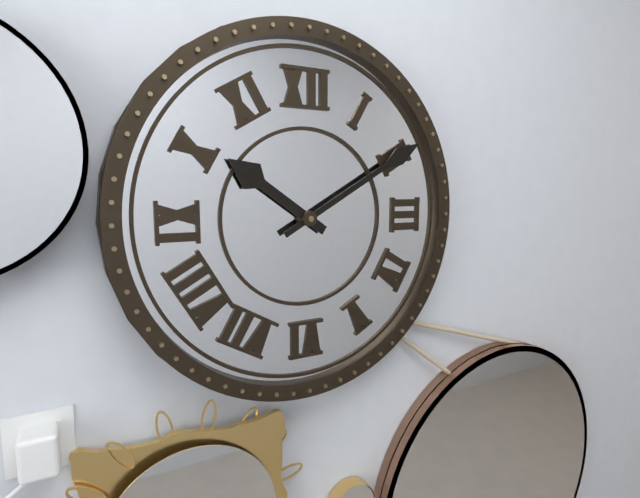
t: 10:10
